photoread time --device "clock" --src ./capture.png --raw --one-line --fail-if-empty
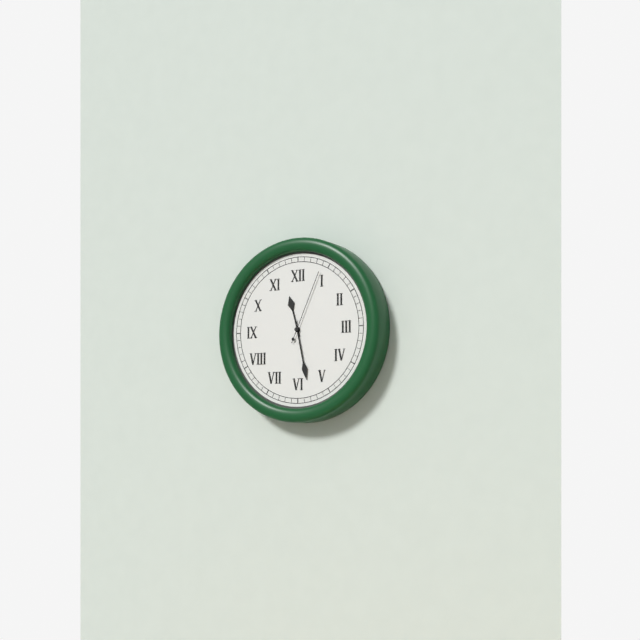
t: 11:28:04
